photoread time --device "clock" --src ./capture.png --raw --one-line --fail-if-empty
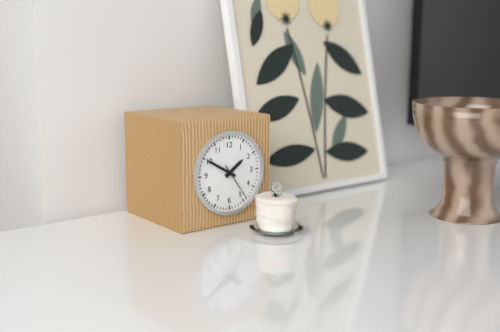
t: 1:50
